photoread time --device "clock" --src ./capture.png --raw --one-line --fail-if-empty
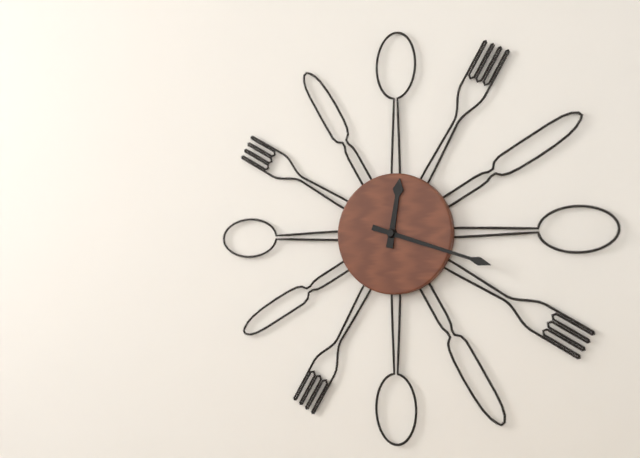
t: 12:18
